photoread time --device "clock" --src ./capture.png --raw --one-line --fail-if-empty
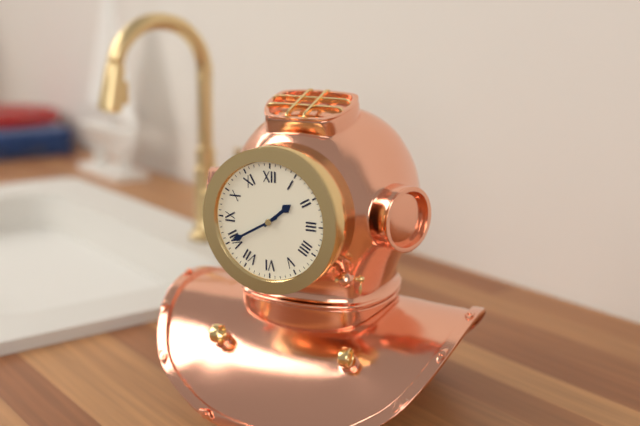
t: 1:40
